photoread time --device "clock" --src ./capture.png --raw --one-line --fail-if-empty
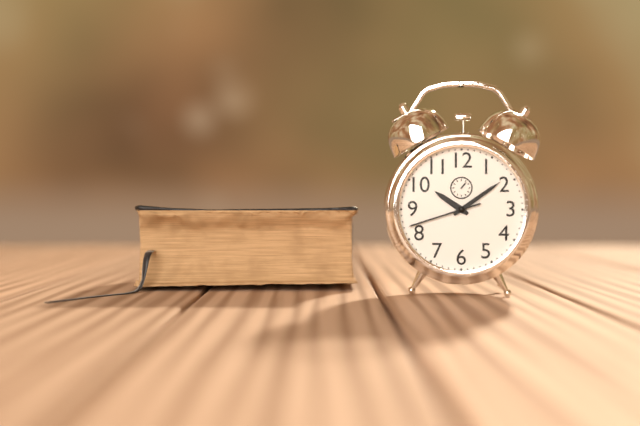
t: 10:09:42
